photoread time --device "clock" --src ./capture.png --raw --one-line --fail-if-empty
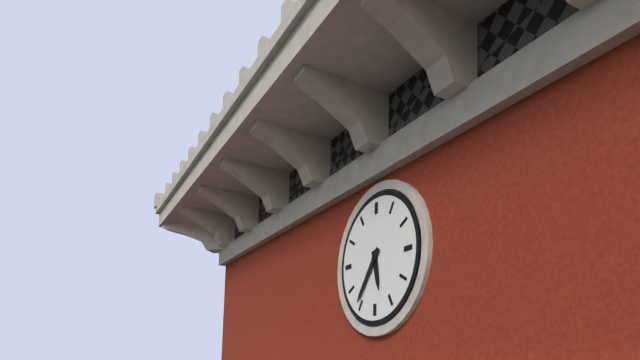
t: 5:36
